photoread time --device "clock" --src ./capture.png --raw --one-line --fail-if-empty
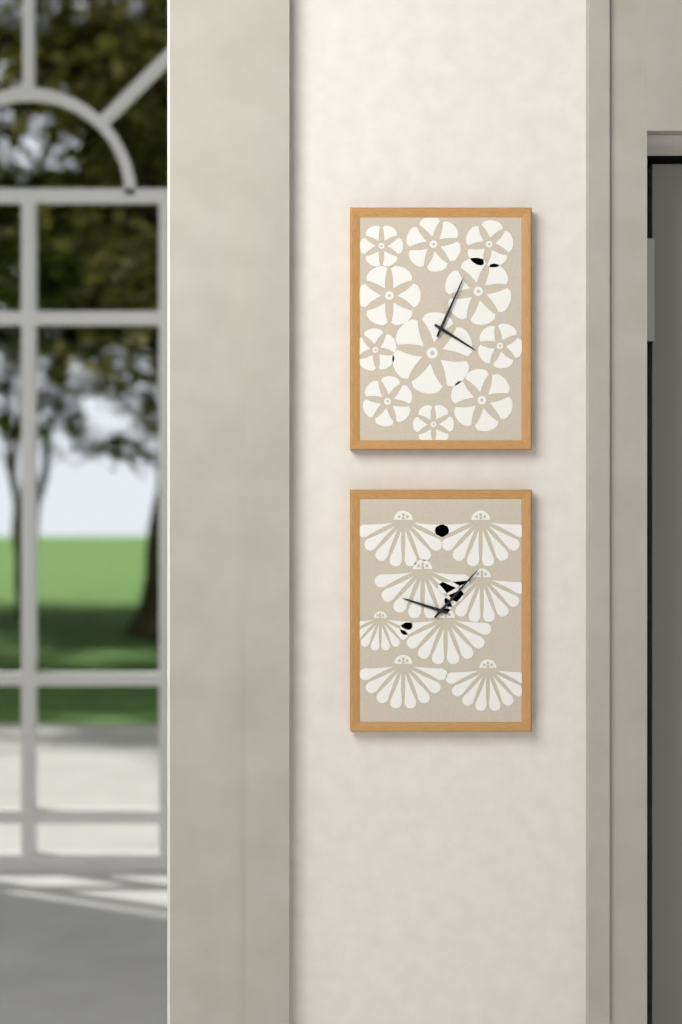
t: 4:04
